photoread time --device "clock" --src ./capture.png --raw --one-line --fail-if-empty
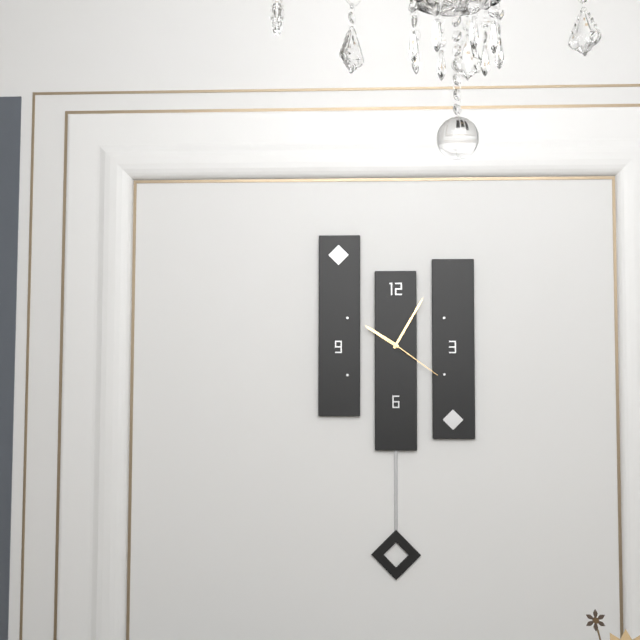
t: 10:05:21
